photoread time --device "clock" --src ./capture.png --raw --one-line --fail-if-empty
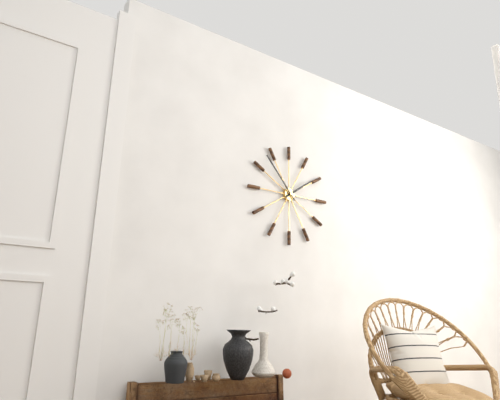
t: 1:53
